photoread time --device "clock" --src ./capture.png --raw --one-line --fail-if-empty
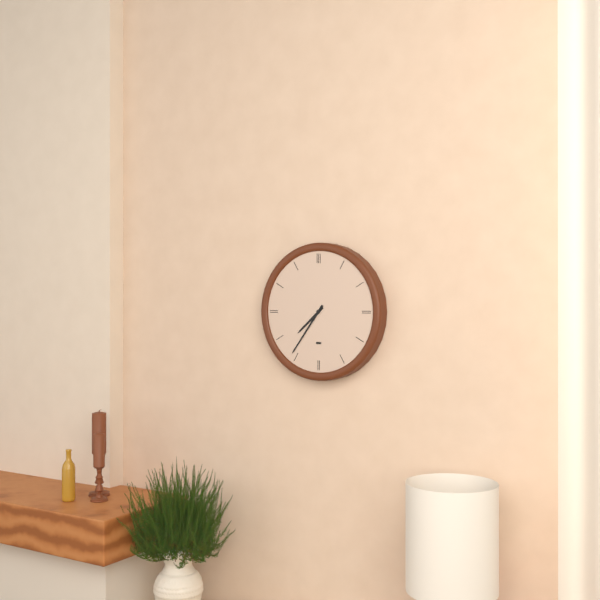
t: 7:36
